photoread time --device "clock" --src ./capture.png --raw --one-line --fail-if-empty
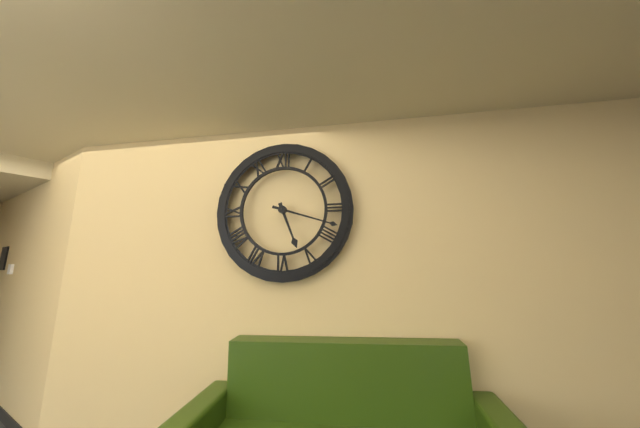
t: 5:18
